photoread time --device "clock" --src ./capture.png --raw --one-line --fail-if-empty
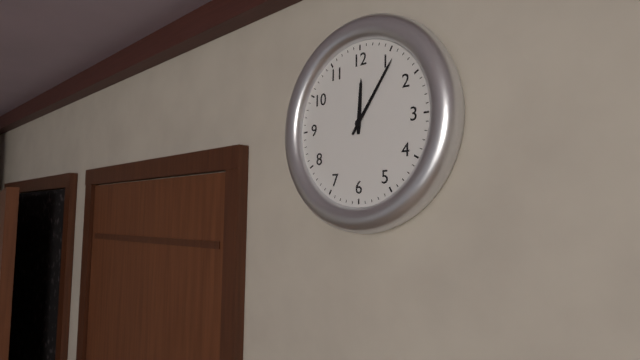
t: 12:06
